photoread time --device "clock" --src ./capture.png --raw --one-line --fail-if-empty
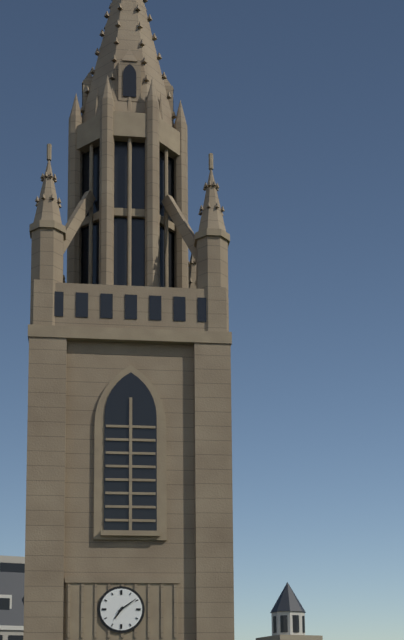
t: 7:09
